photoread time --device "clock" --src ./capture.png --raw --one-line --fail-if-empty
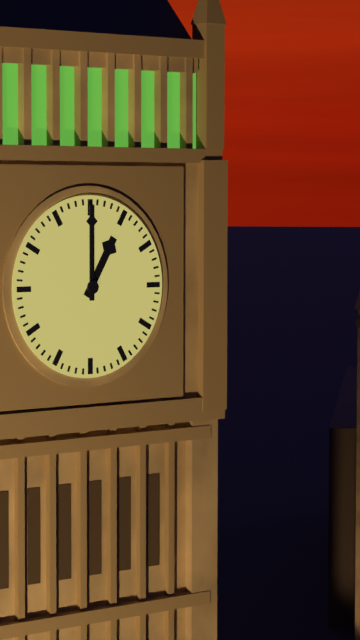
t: 1:00
